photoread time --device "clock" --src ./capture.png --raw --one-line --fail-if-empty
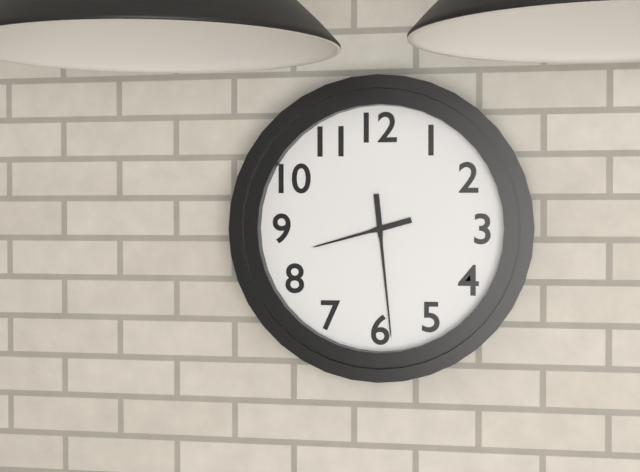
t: 8:29
